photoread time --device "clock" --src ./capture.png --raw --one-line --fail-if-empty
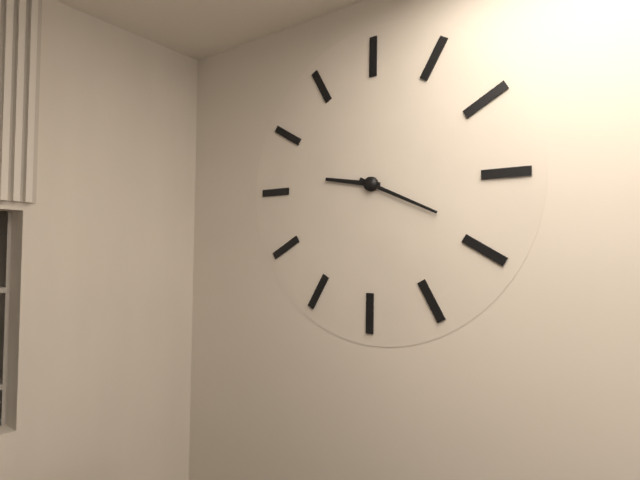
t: 9:19
